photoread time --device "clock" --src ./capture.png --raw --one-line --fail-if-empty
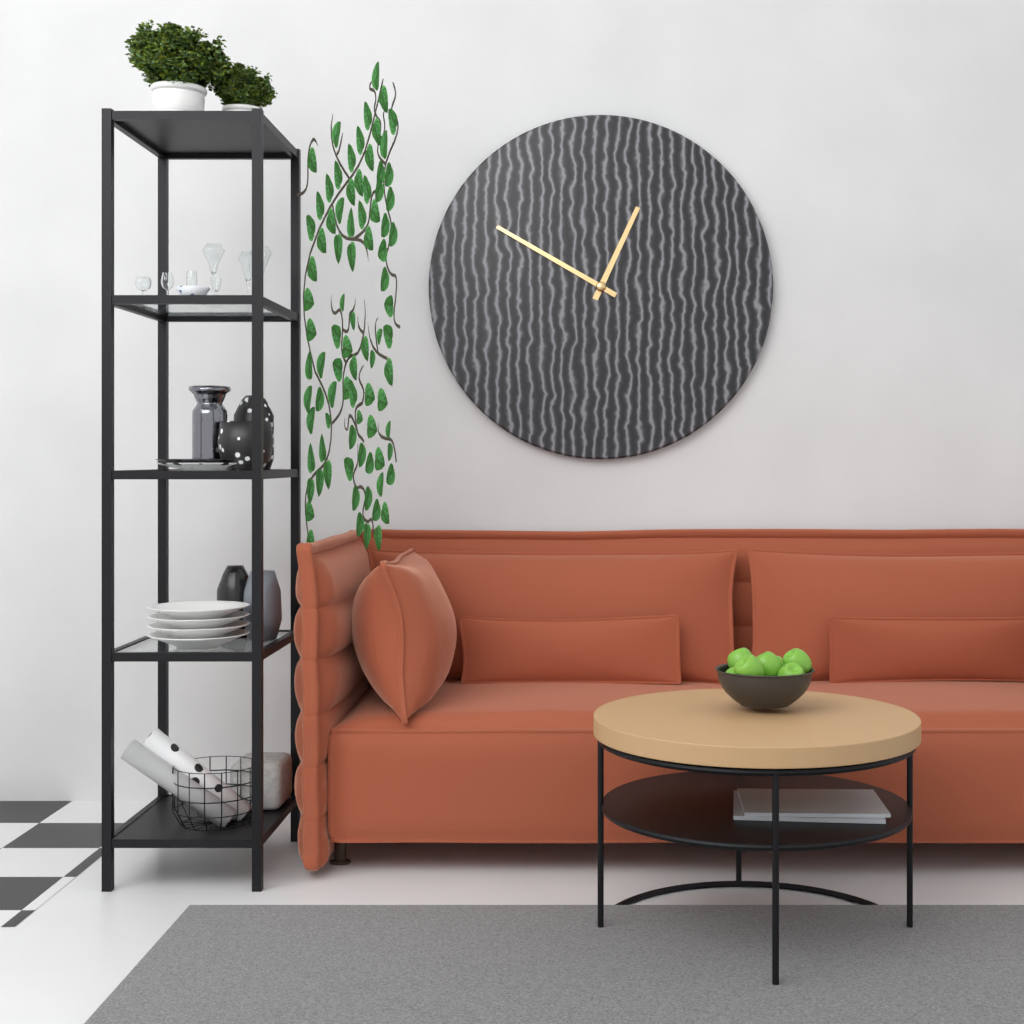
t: 12:50
